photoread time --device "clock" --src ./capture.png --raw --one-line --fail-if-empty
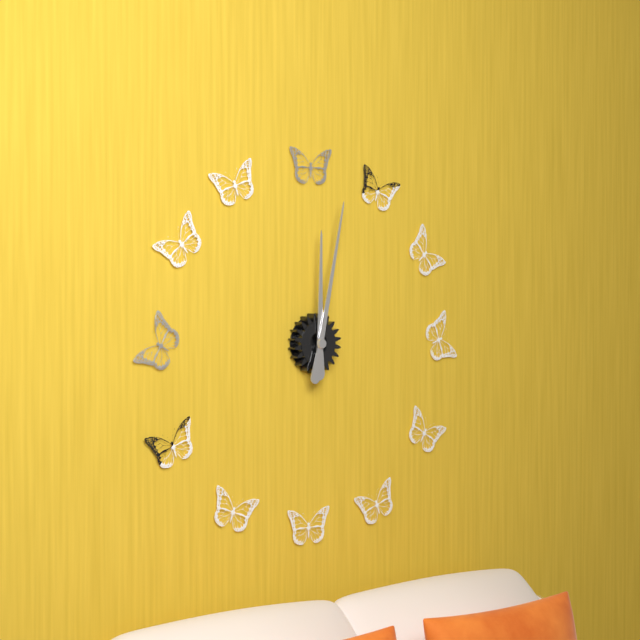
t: 12:02
